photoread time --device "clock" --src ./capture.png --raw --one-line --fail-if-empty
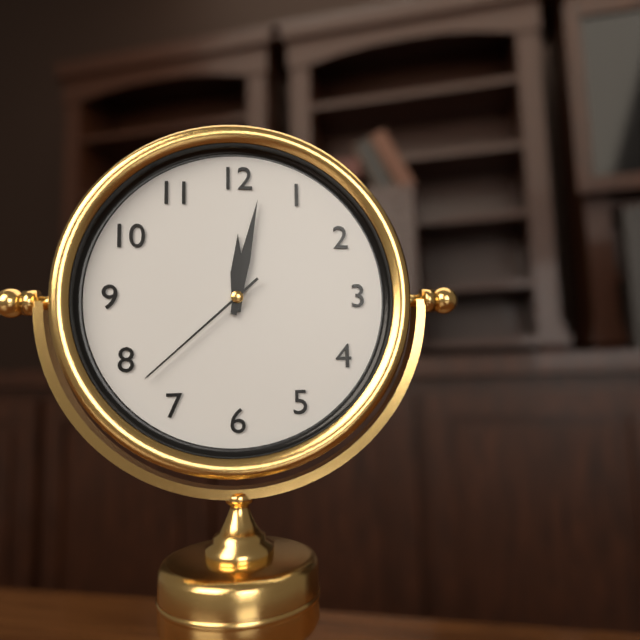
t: 12:02:38
